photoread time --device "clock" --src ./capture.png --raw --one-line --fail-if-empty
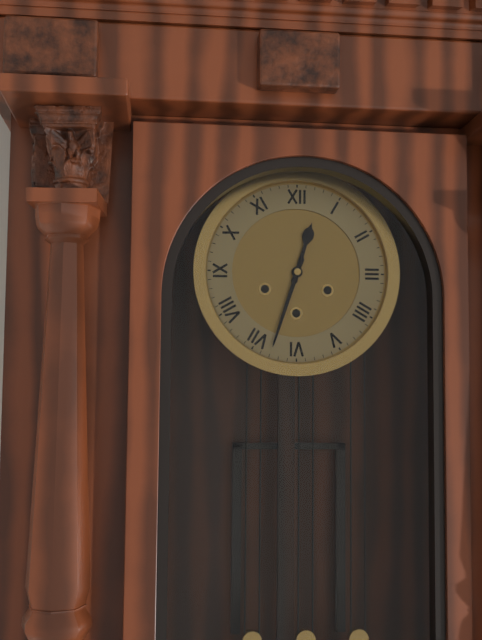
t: 12:33
